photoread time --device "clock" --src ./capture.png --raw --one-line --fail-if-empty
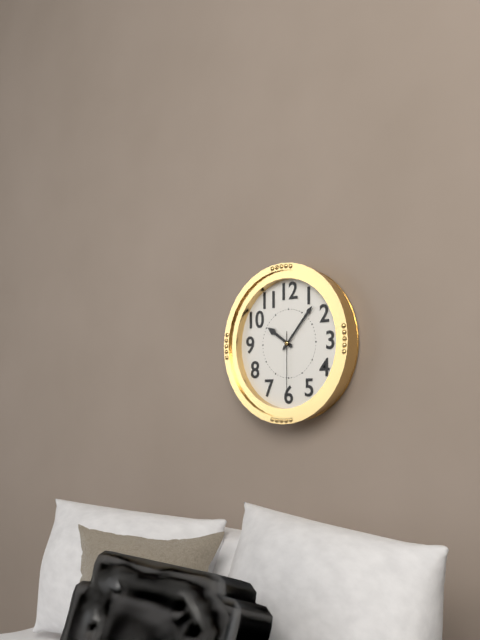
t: 10:07:30
